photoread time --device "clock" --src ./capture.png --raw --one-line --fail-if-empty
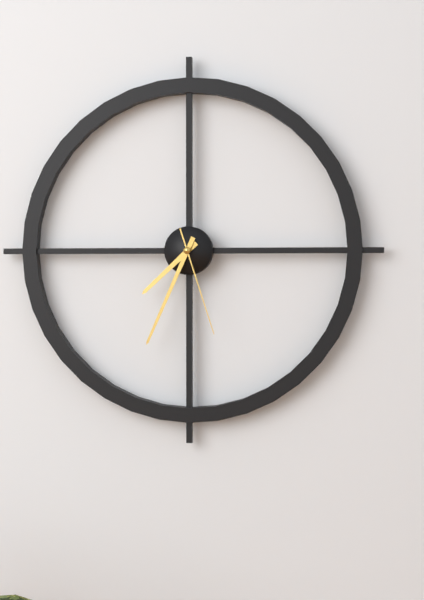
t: 7:34:27
